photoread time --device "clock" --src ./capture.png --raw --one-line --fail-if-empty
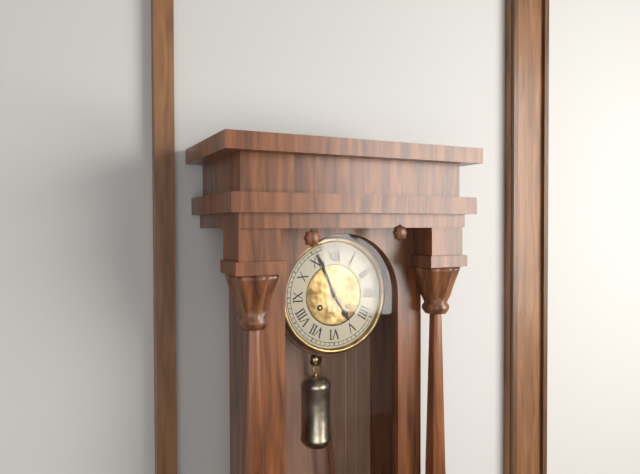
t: 4:56
